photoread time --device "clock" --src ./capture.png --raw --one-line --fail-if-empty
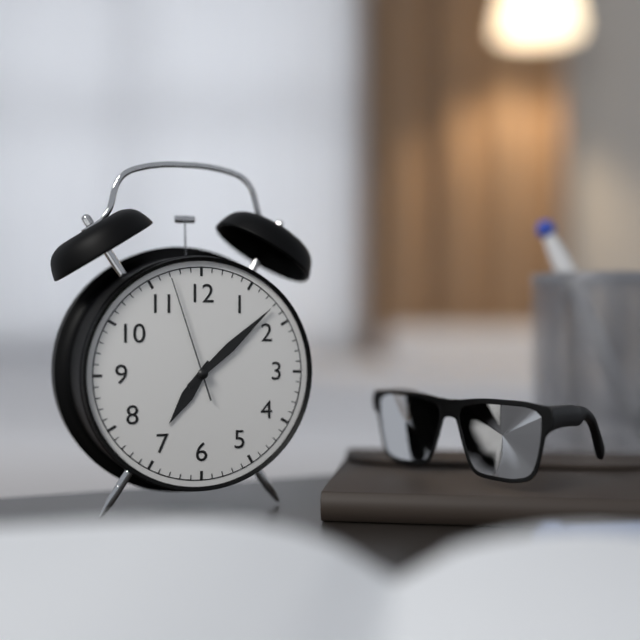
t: 7:08:57
